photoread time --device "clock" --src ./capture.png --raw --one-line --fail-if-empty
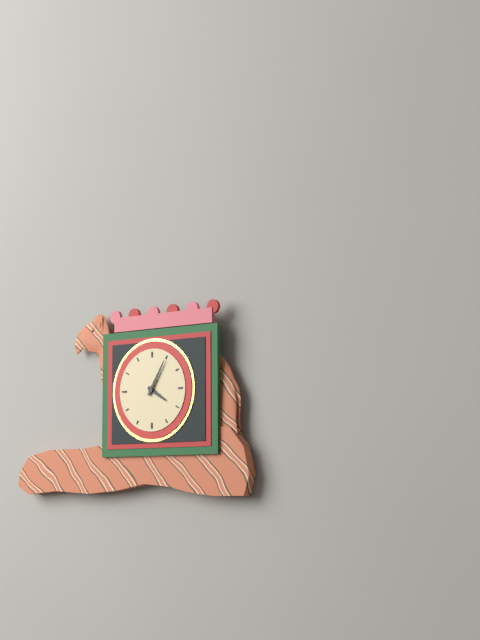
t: 4:05
